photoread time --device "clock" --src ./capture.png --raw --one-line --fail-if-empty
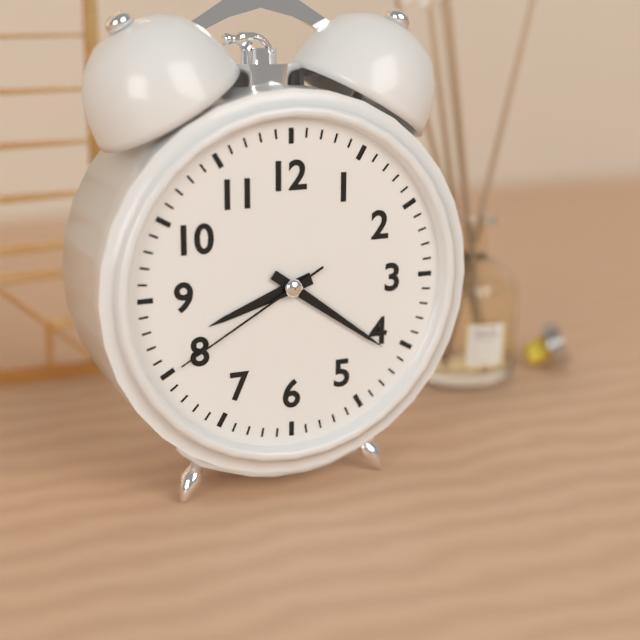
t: 8:21:40
